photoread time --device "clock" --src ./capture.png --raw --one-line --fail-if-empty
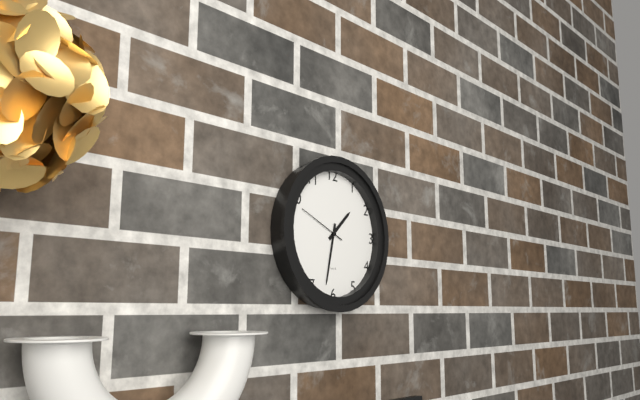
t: 1:32:49
